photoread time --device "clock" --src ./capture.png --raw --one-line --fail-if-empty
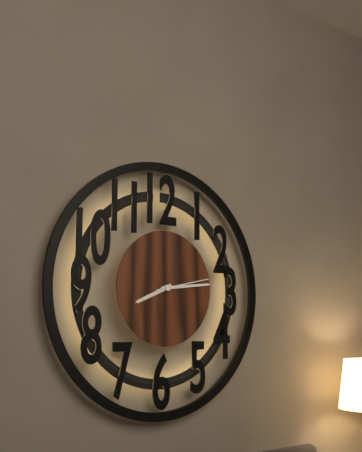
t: 8:14:13
